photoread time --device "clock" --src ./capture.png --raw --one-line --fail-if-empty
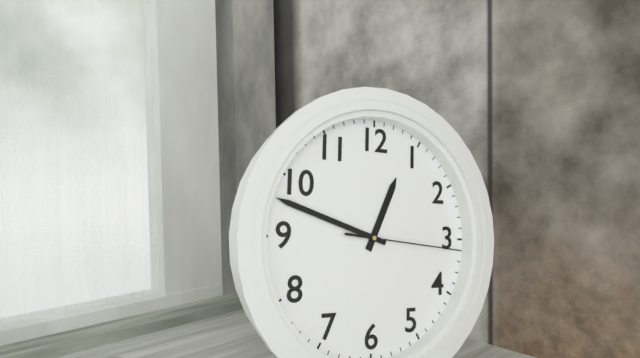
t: 12:48:16
